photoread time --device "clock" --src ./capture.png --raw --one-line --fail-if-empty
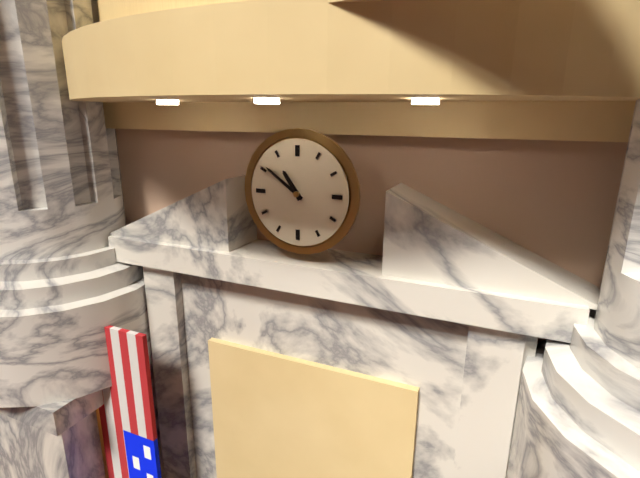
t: 10:51
